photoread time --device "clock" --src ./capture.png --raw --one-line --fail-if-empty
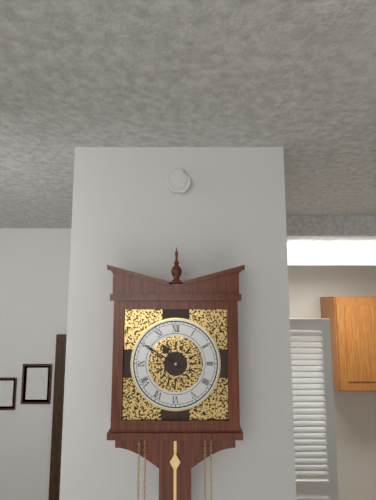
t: 10:50
